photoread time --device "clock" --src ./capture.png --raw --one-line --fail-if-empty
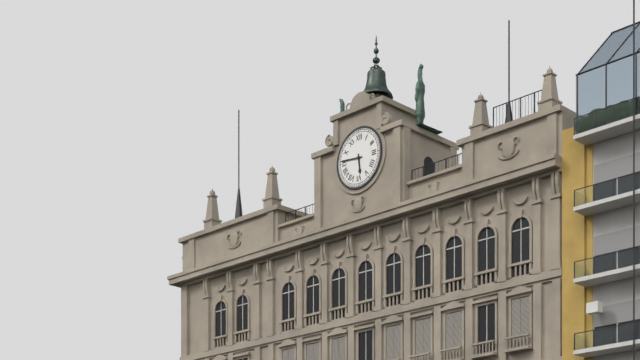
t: 5:46
